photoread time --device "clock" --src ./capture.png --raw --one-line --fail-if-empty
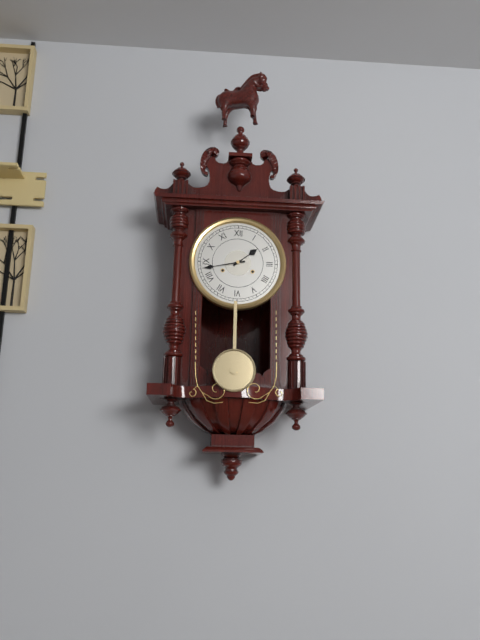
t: 1:43
